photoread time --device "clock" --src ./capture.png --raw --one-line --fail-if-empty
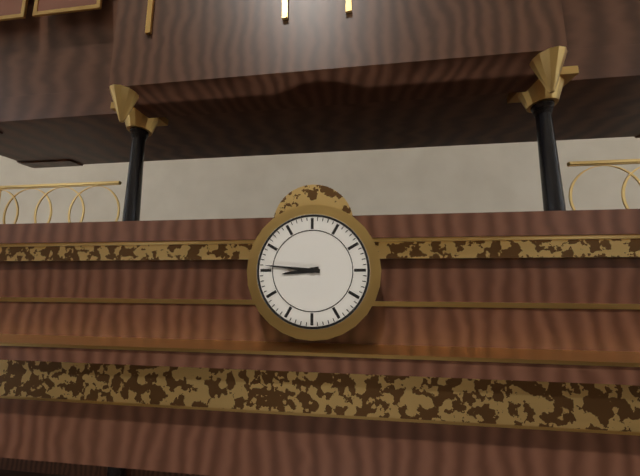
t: 8:46
